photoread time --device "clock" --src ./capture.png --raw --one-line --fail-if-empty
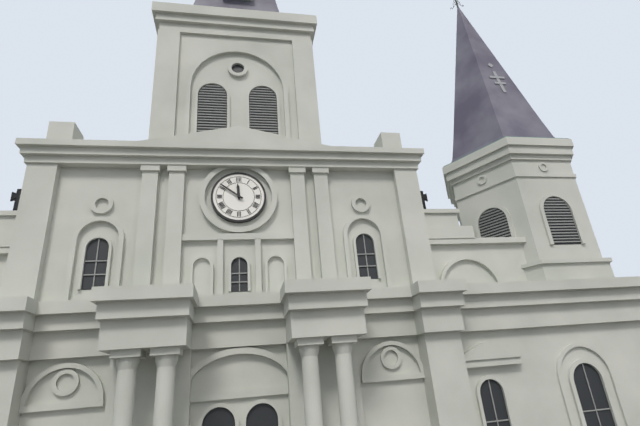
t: 11:51
